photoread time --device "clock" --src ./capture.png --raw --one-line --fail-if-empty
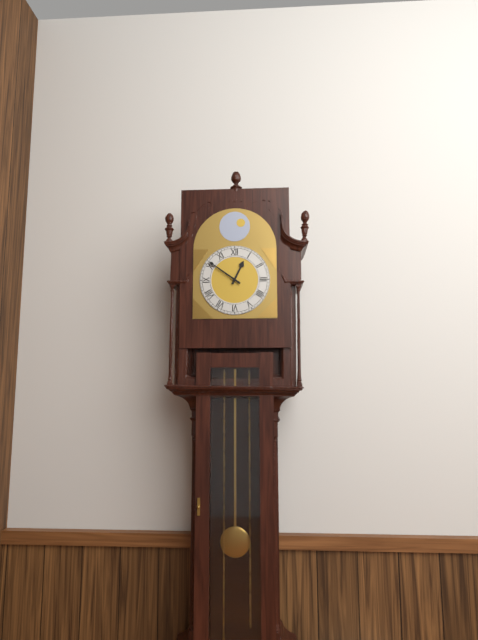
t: 12:51
